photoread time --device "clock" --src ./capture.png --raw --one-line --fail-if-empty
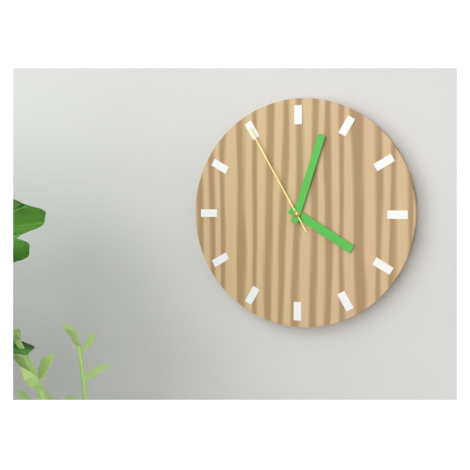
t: 4:03:55
